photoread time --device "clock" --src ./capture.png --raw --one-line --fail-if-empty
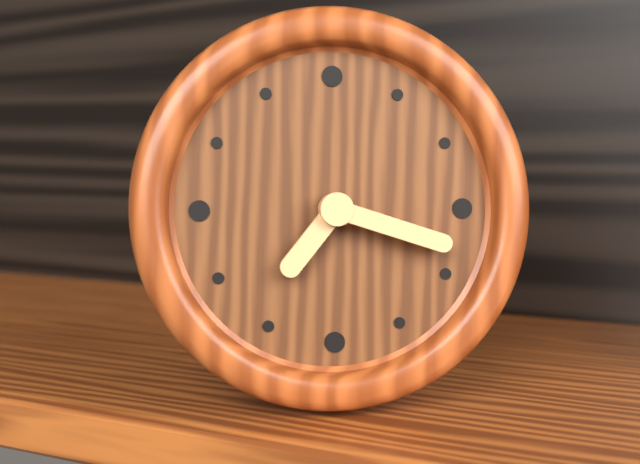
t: 7:18
